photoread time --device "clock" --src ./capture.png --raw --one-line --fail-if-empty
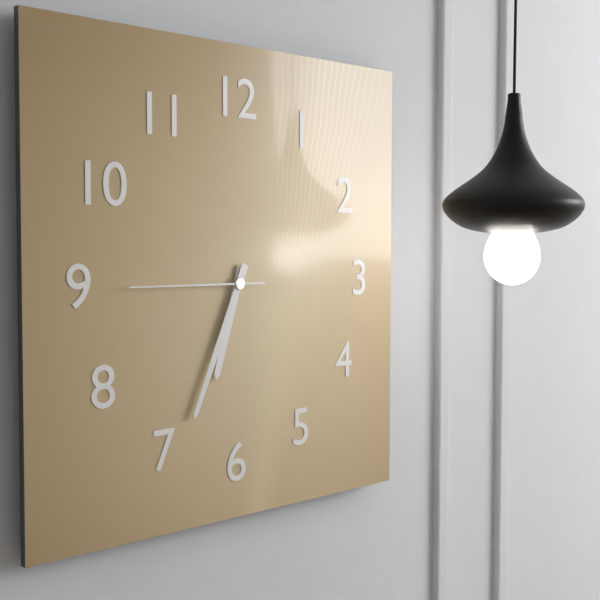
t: 6:34:45
